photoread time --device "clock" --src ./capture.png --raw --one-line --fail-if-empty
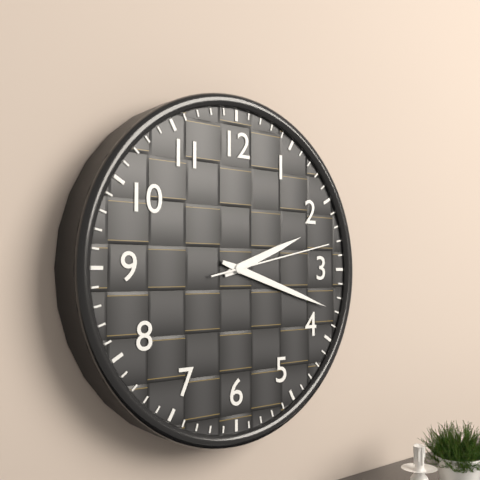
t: 2:18:13
